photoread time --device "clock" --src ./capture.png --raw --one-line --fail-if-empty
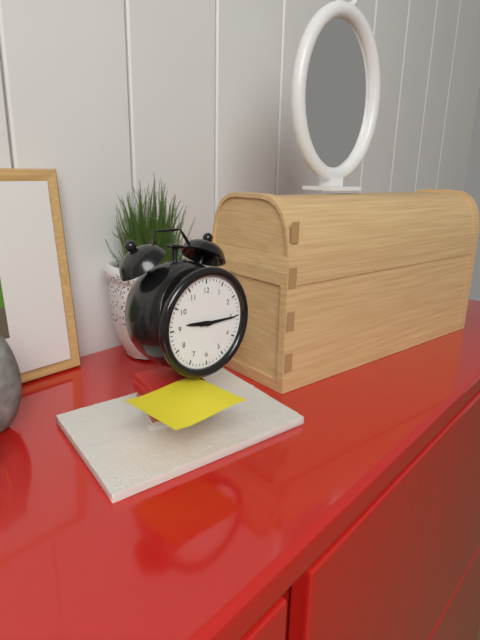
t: 9:15
